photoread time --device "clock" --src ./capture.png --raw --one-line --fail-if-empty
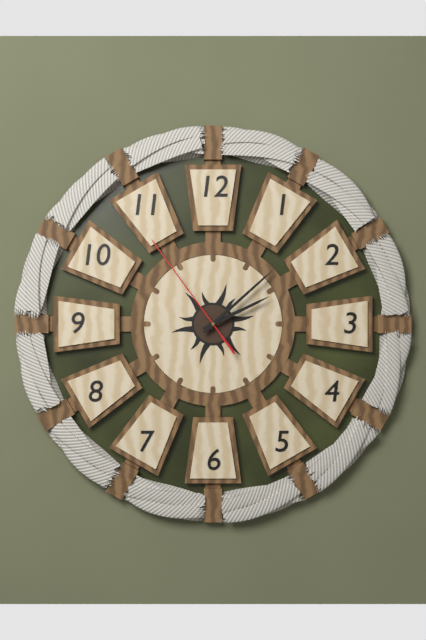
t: 2:08:54
